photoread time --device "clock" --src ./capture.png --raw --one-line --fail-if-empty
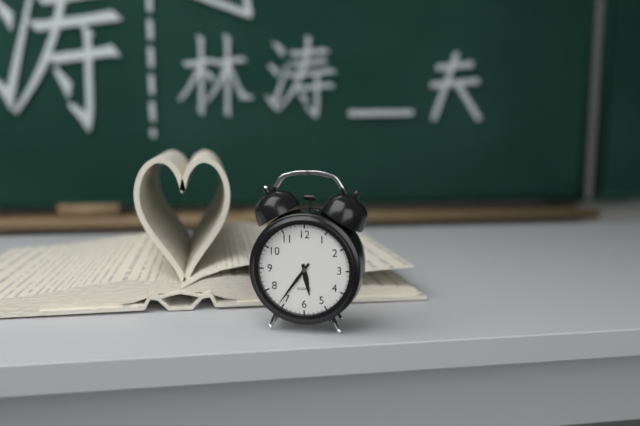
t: 5:36
